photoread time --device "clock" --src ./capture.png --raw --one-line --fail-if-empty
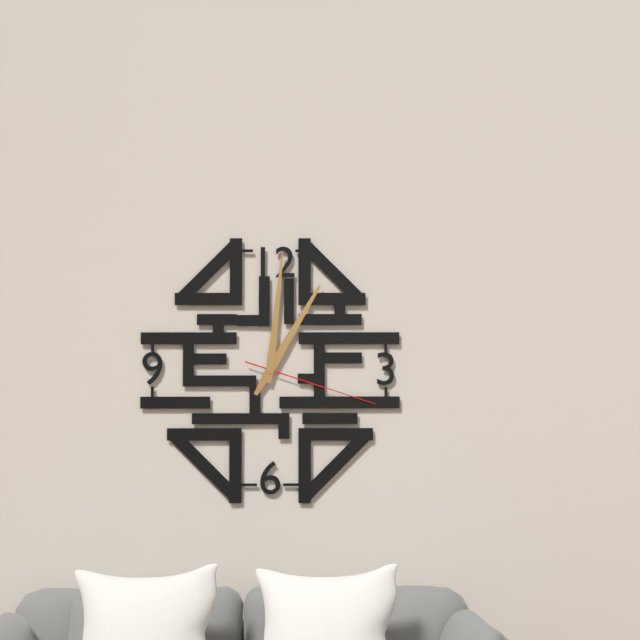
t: 1:01:18
